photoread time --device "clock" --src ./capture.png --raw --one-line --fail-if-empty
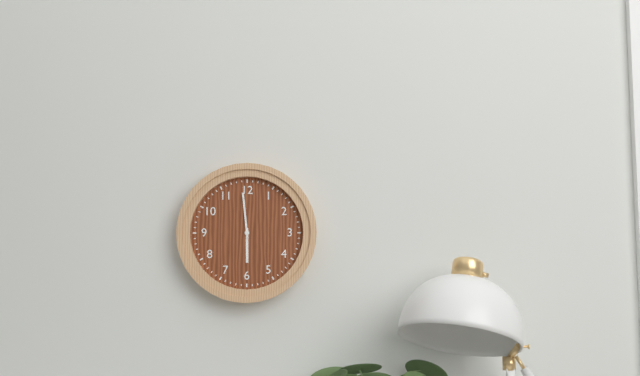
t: 5:59
